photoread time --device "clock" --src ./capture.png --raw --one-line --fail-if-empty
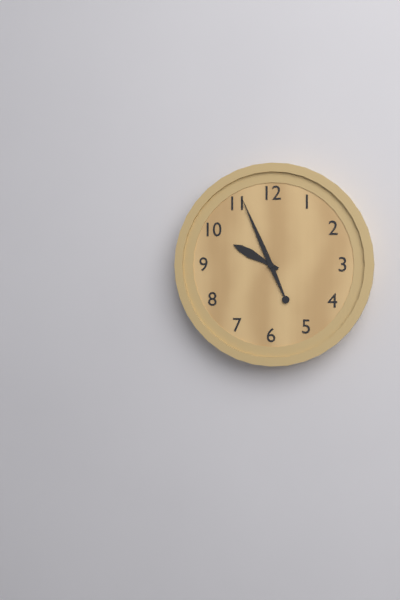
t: 9:56
